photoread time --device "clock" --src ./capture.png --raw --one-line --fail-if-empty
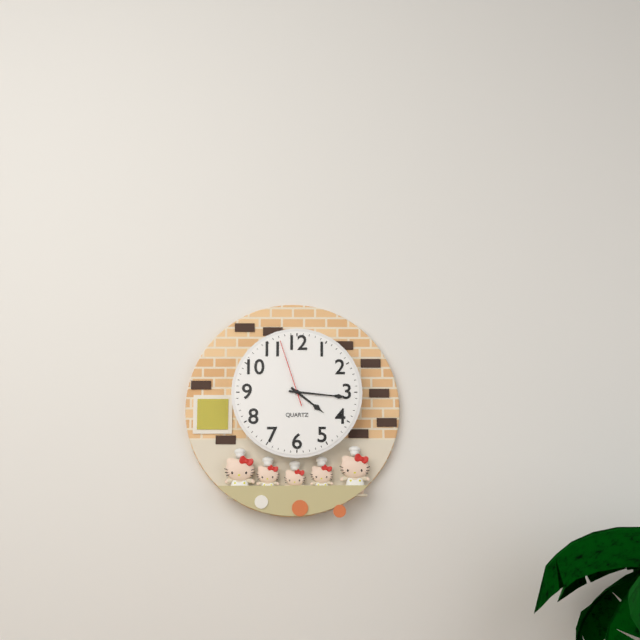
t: 4:16:57
